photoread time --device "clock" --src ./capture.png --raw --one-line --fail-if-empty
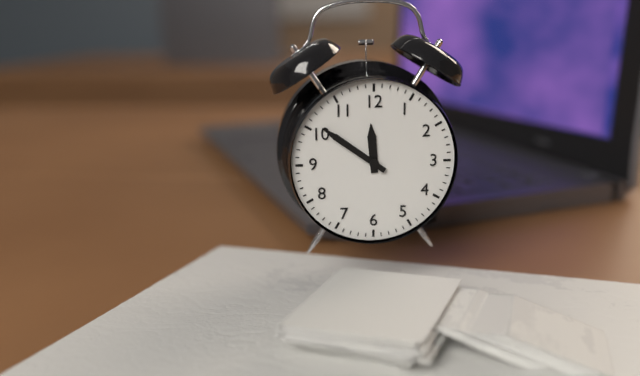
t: 11:51
